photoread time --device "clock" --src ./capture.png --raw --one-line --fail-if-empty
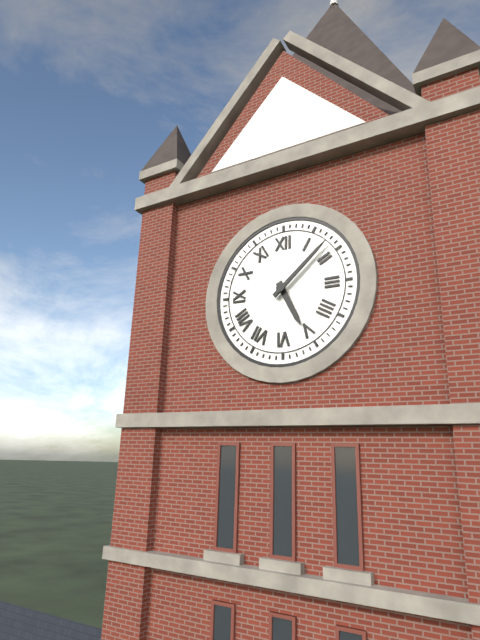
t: 5:08
